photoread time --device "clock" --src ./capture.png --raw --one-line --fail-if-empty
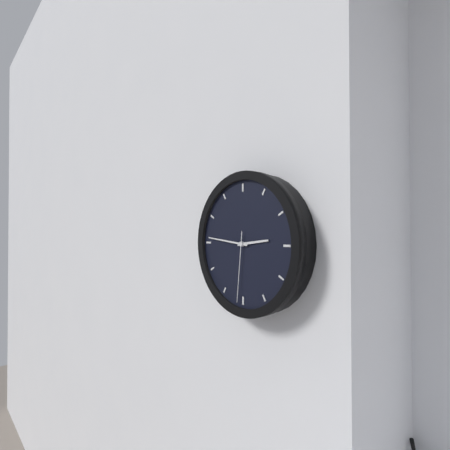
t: 2:46:31
